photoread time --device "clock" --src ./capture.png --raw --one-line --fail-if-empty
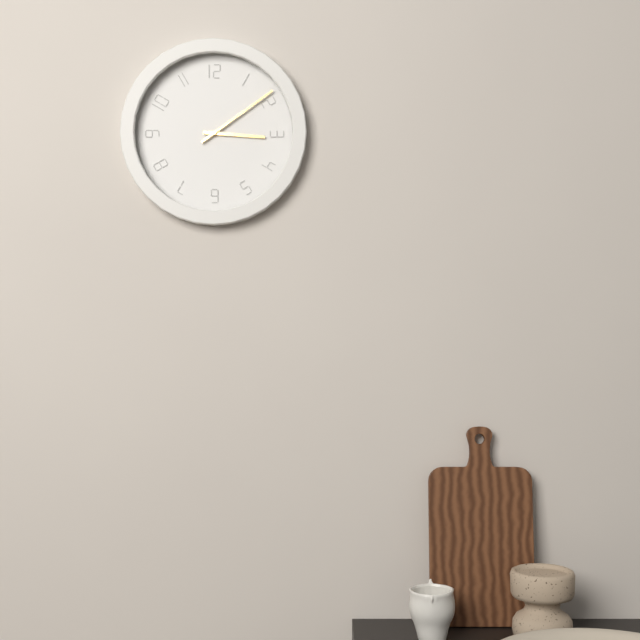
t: 3:09
